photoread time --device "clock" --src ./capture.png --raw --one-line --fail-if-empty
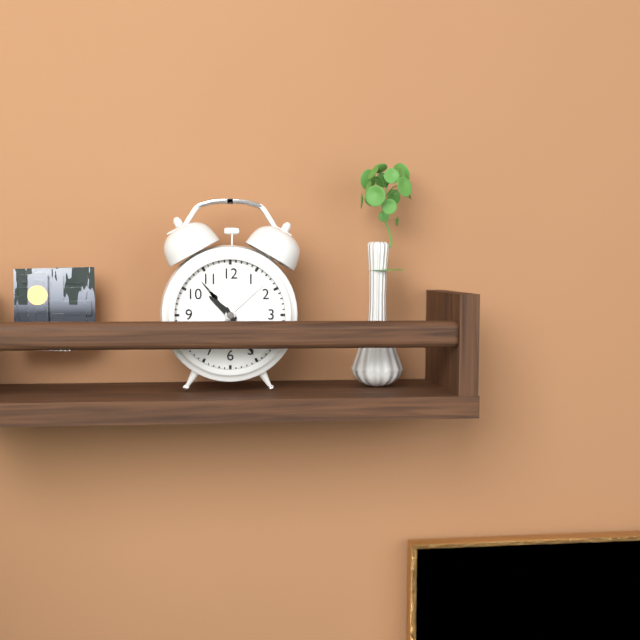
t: 10:25
